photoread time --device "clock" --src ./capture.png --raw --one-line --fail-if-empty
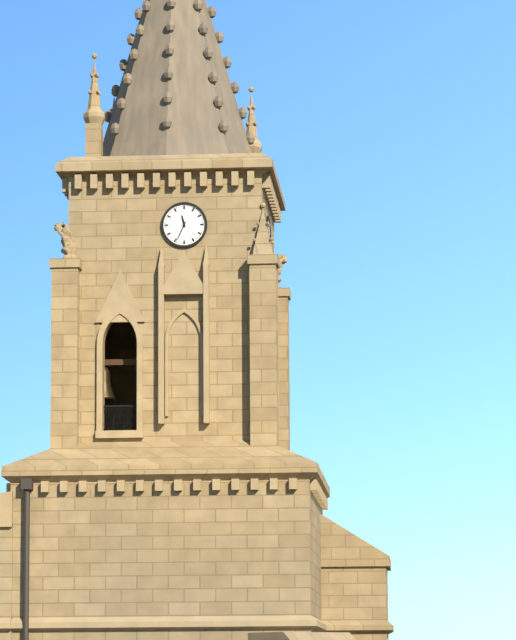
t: 11:34
